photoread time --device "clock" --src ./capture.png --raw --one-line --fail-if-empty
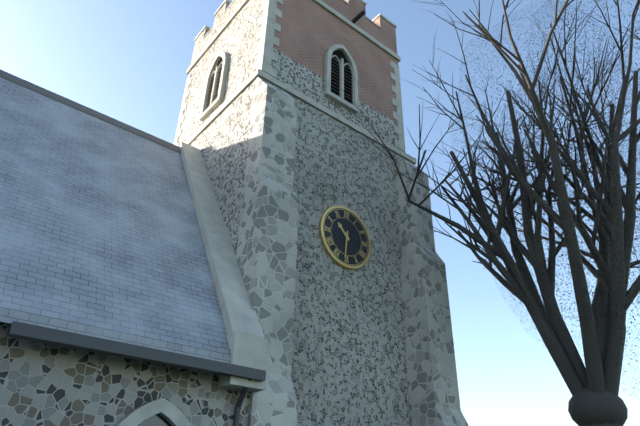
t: 10:31
